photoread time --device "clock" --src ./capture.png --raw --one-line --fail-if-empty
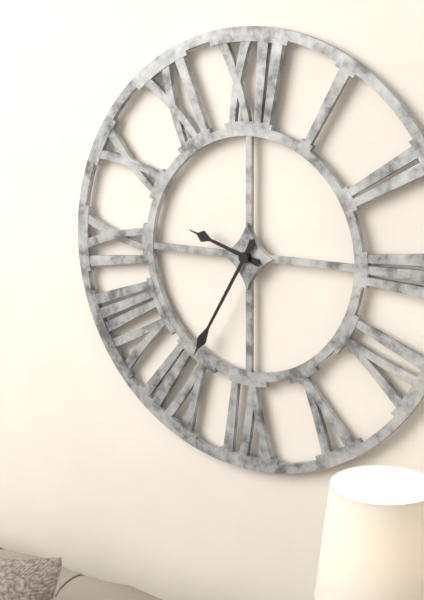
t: 9:35
